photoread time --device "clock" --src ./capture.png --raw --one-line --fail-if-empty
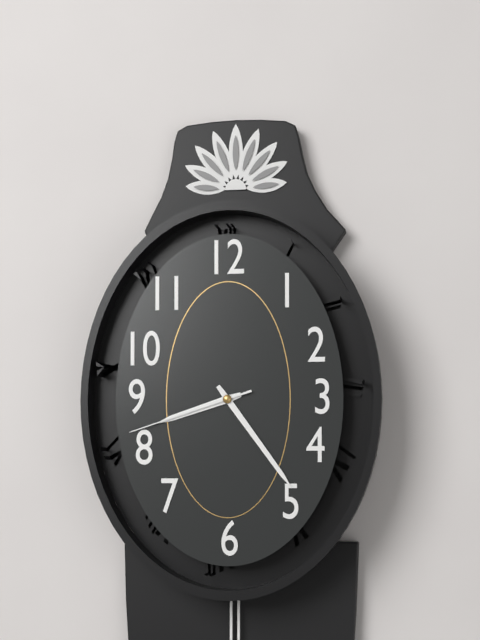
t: 8:24:42
